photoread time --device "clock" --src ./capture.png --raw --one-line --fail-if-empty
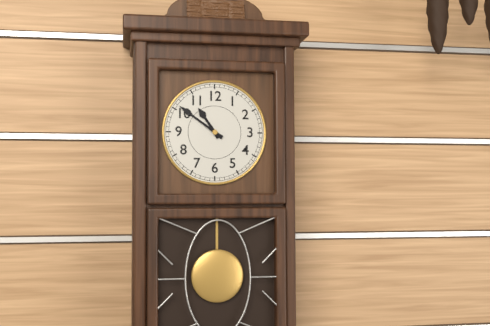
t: 10:51
